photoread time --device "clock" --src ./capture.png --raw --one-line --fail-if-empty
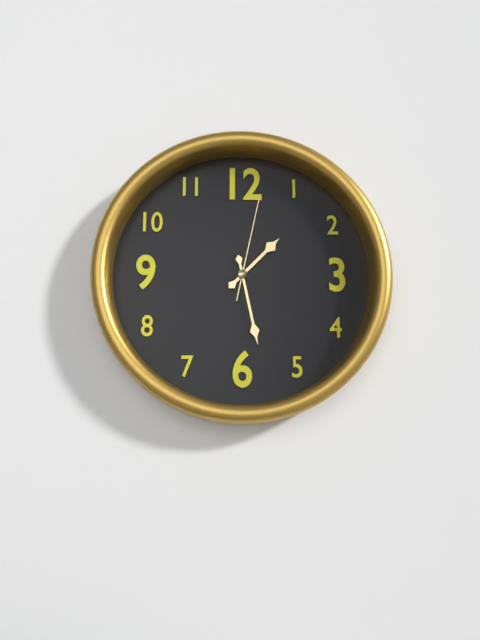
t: 1:28:02
